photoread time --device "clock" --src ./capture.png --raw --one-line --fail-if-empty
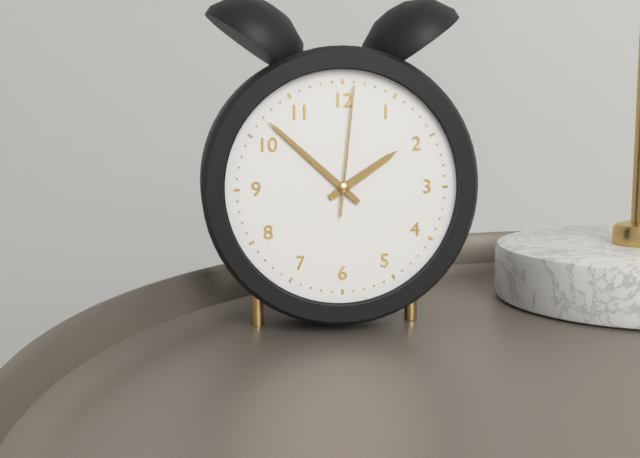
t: 1:52:01
